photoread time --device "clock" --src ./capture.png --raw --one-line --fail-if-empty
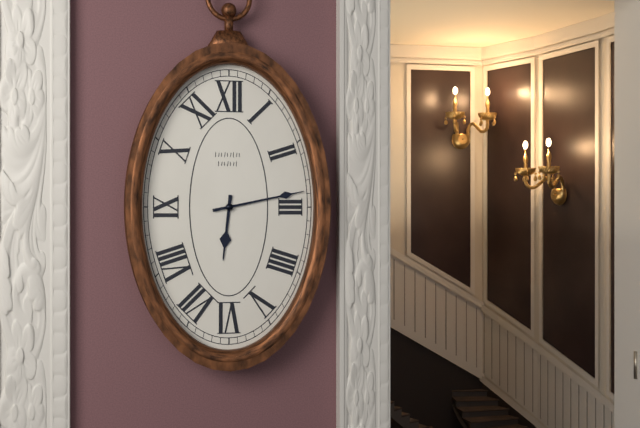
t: 6:13
